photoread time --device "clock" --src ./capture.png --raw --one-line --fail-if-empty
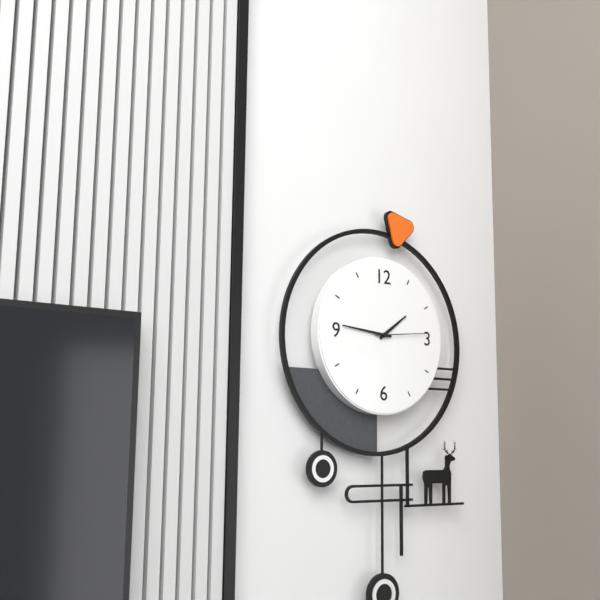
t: 1:46:14
